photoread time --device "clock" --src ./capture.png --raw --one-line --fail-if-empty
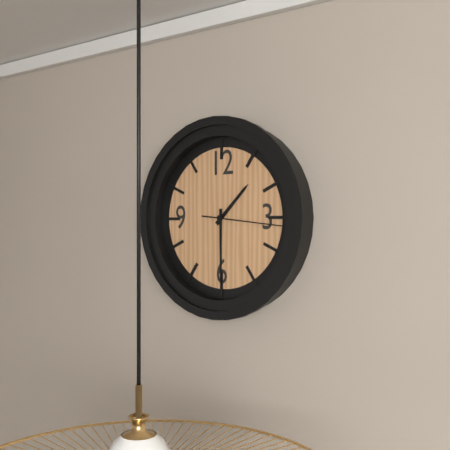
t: 1:30:16
